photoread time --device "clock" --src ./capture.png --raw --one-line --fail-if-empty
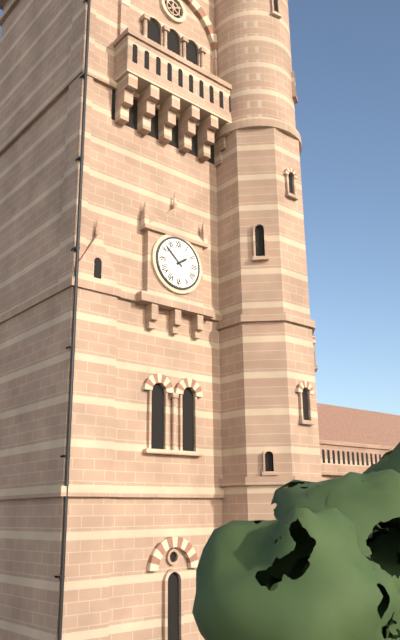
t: 1:52
